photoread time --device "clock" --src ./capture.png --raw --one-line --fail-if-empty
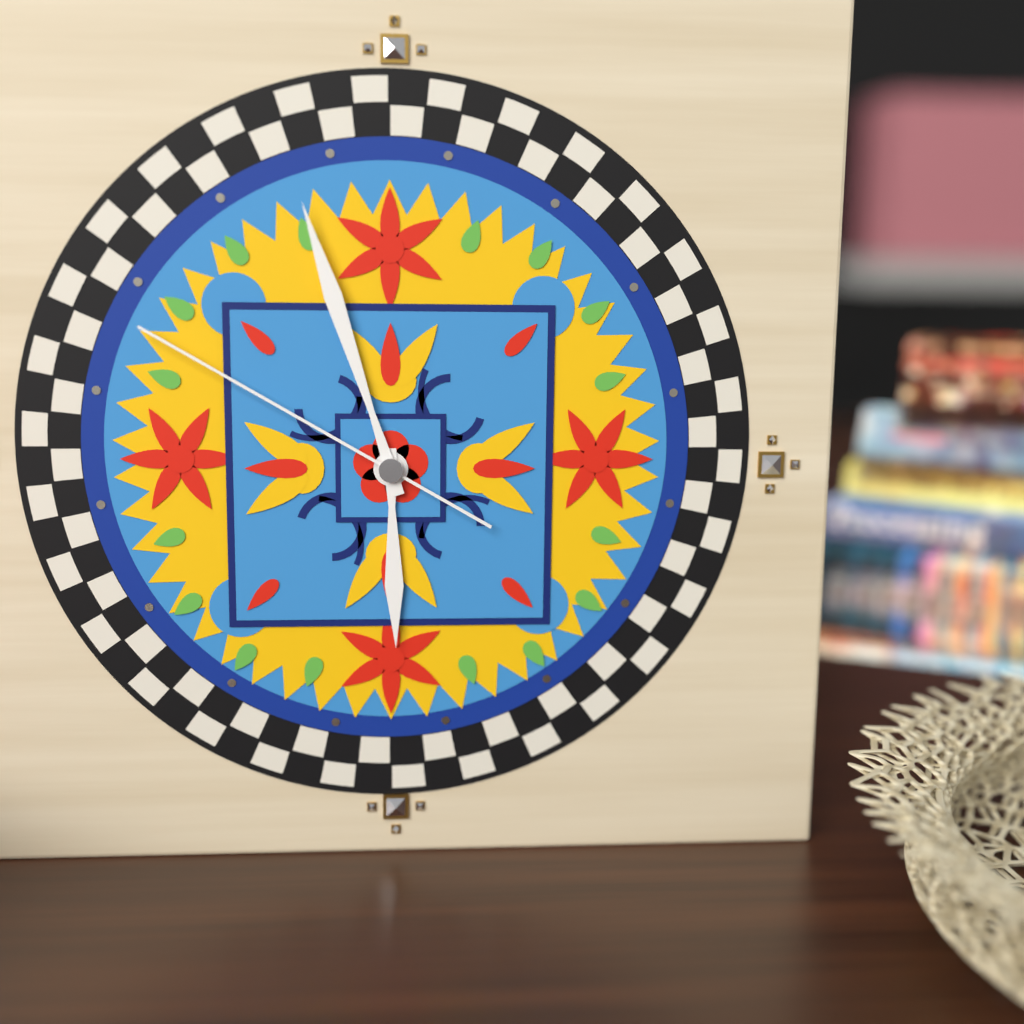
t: 5:57:50
